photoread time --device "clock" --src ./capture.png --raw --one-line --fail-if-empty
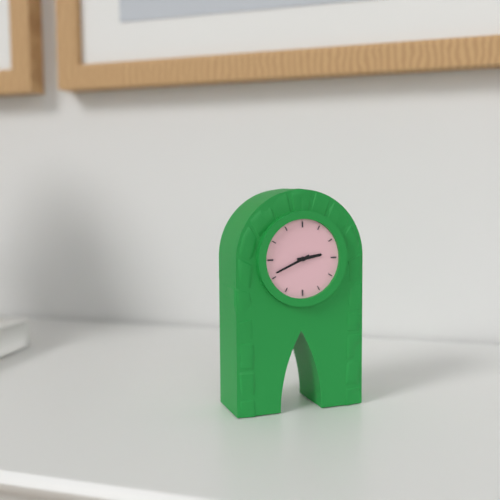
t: 2:41
